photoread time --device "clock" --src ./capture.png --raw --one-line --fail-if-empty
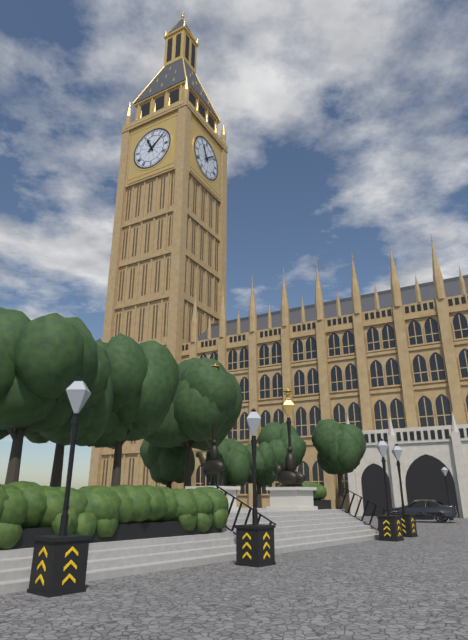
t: 11:08
